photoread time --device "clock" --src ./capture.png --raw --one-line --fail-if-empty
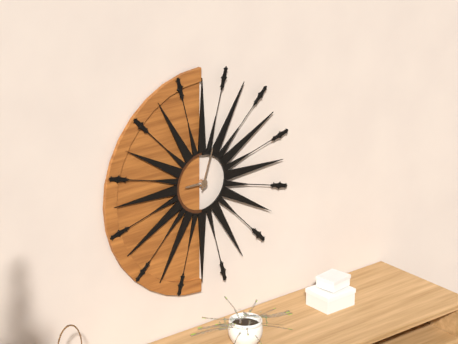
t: 9:03
